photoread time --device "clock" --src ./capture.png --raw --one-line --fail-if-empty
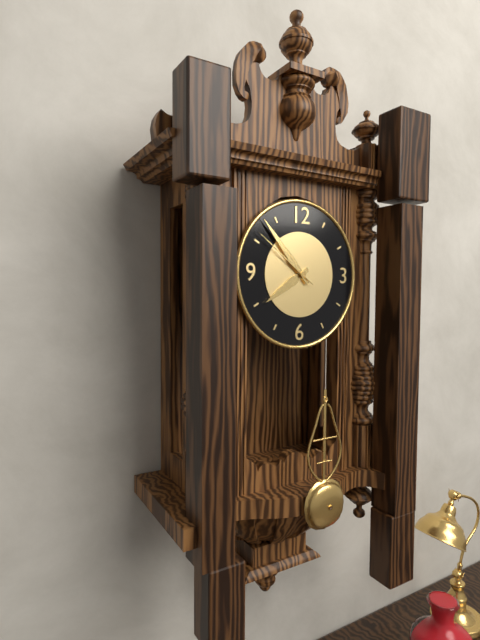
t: 7:53:51
